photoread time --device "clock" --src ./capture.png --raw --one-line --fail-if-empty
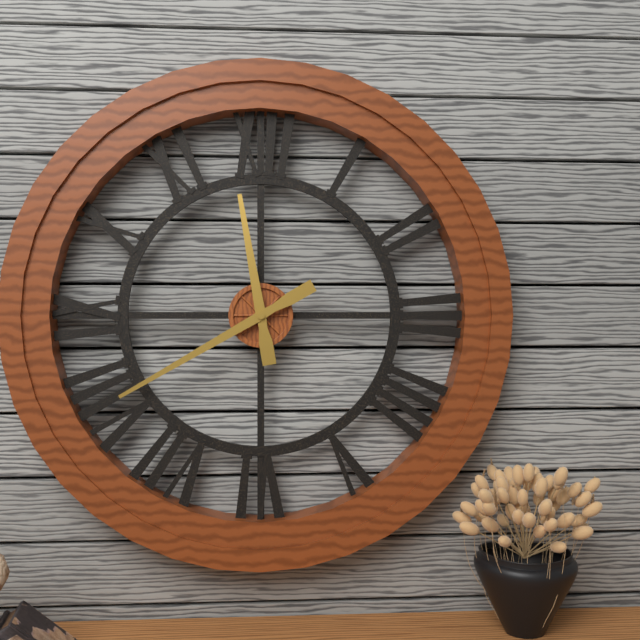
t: 11:40
